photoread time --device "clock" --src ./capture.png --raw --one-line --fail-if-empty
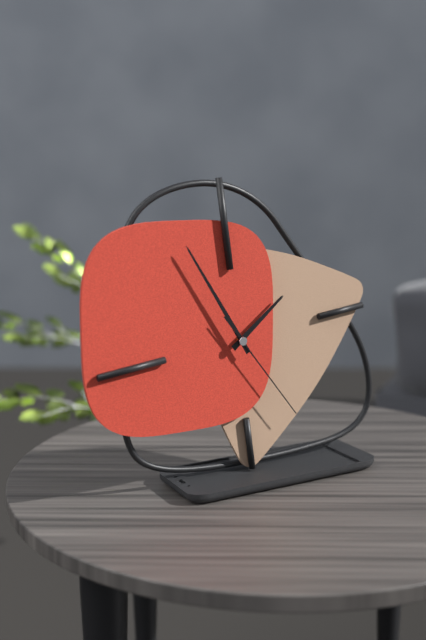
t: 1:56:25
